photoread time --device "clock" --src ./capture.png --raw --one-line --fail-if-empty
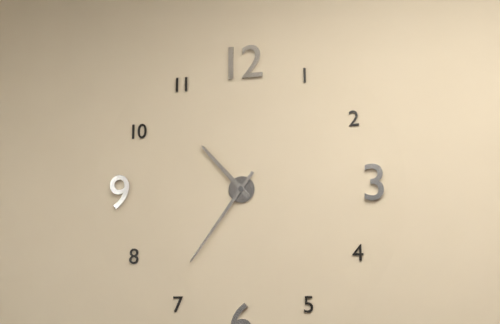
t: 10:36
